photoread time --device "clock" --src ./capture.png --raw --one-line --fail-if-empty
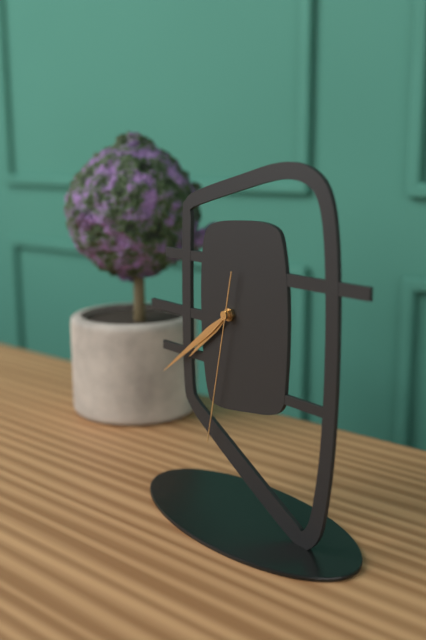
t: 7:39:32
